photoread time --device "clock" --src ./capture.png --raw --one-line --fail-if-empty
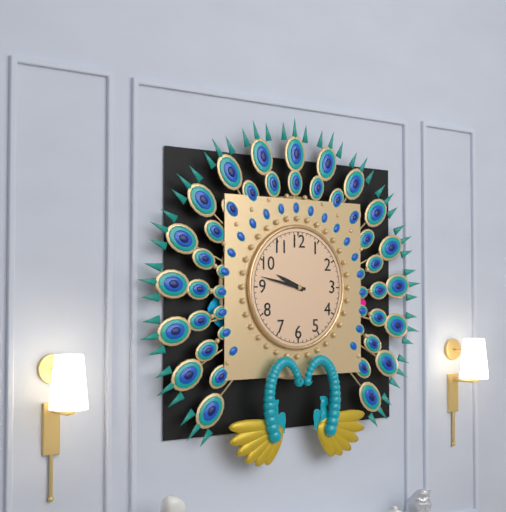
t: 9:47
